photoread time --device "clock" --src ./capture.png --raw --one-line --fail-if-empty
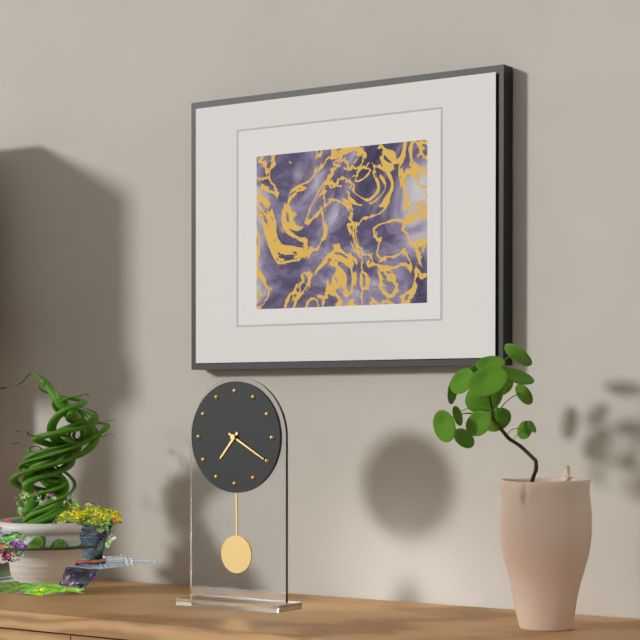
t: 7:20
